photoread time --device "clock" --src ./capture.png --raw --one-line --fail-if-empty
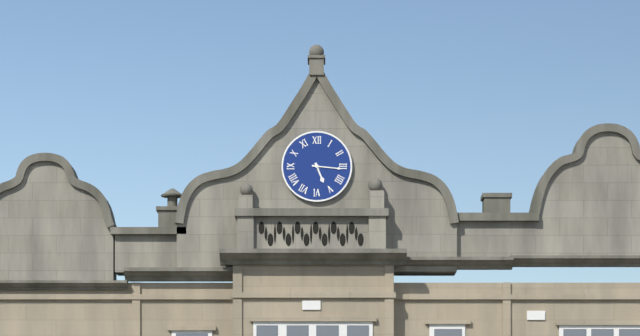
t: 5:16
